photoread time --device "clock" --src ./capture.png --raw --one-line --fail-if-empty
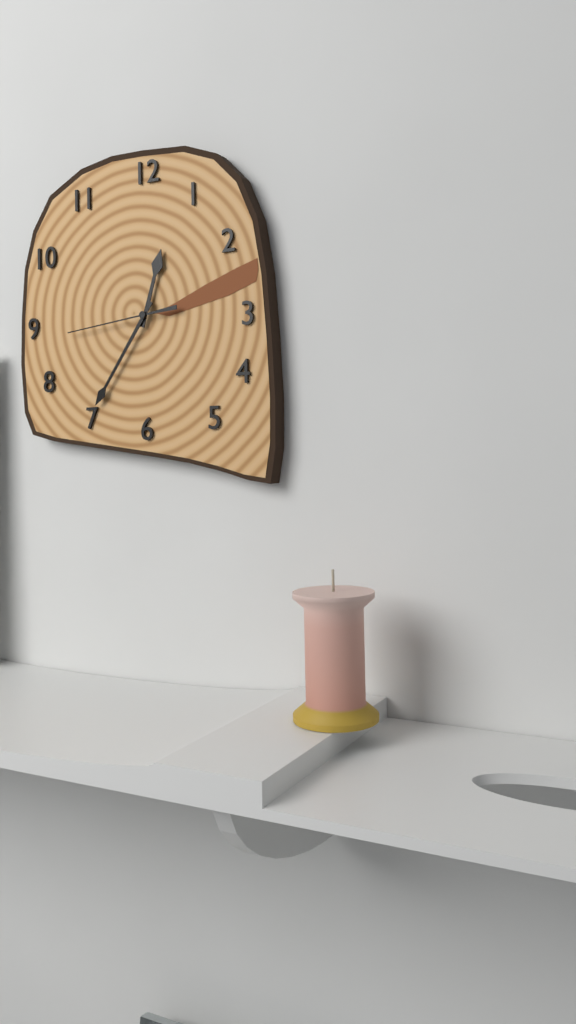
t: 12:36:44
